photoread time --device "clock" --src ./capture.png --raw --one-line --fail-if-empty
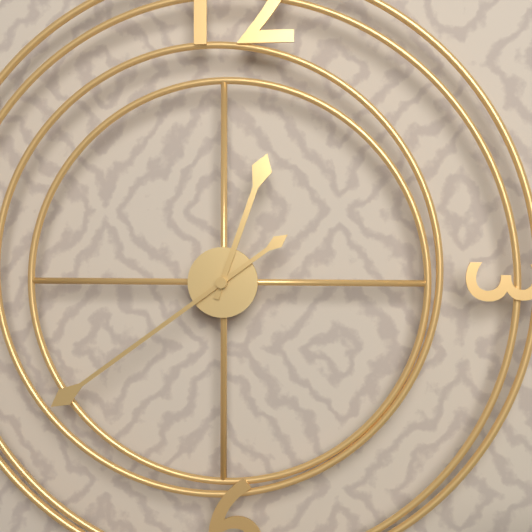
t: 12:39
